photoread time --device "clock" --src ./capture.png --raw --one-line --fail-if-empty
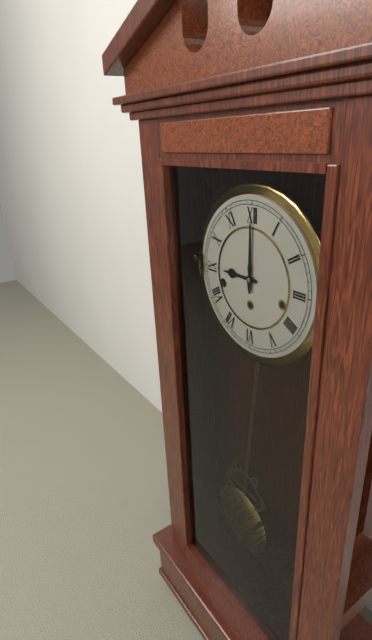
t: 9:00
